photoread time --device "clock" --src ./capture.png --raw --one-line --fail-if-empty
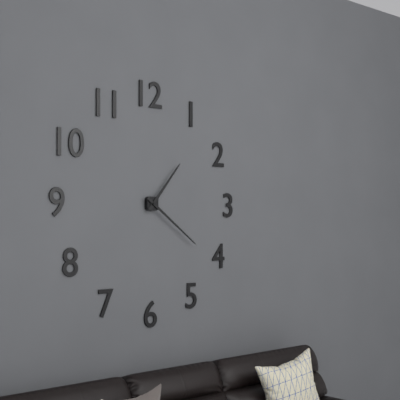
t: 1:21
